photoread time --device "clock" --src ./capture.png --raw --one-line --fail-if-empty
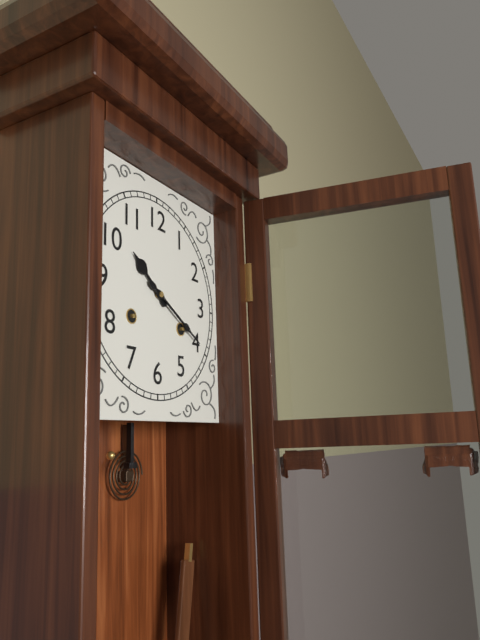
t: 10:20
